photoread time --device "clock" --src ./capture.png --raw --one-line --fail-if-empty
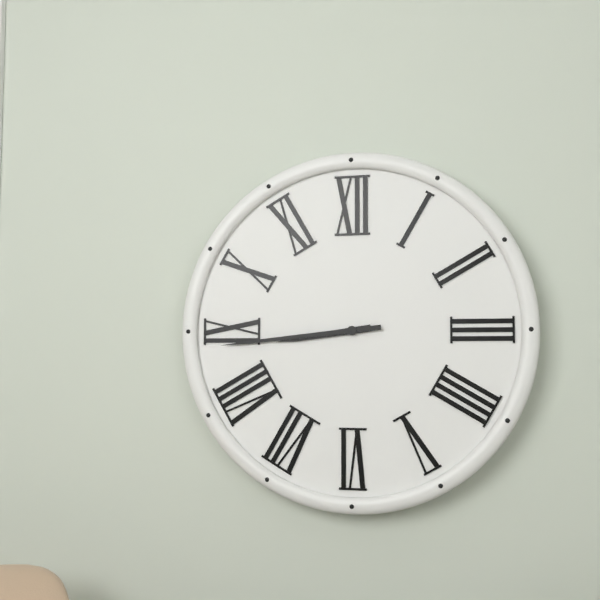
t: 8:44
